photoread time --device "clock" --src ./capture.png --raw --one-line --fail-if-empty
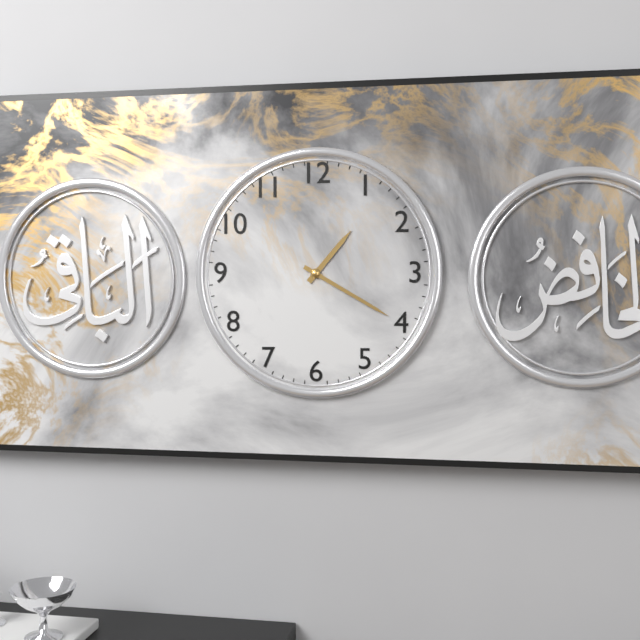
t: 1:20
